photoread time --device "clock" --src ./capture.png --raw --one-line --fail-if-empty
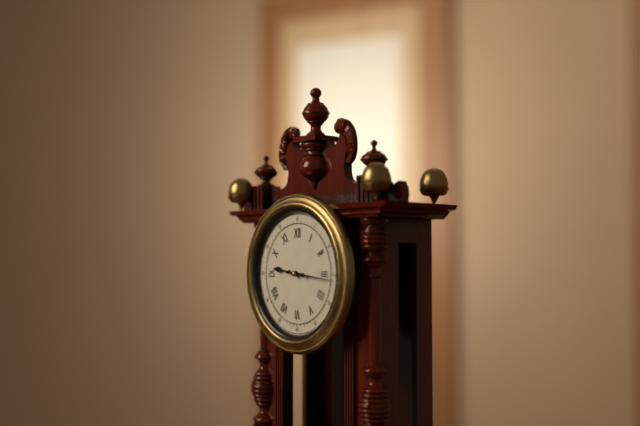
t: 9:16
